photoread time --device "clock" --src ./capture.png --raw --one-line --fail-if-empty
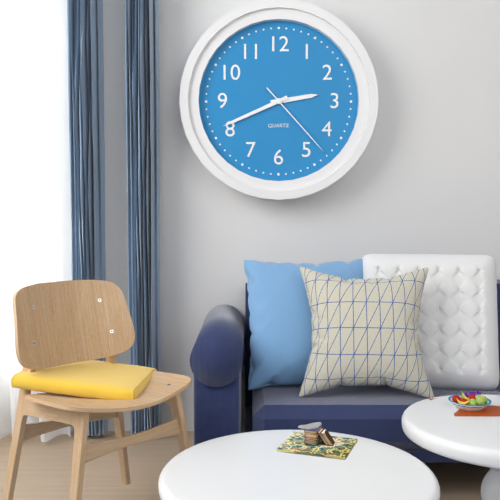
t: 2:41:23
